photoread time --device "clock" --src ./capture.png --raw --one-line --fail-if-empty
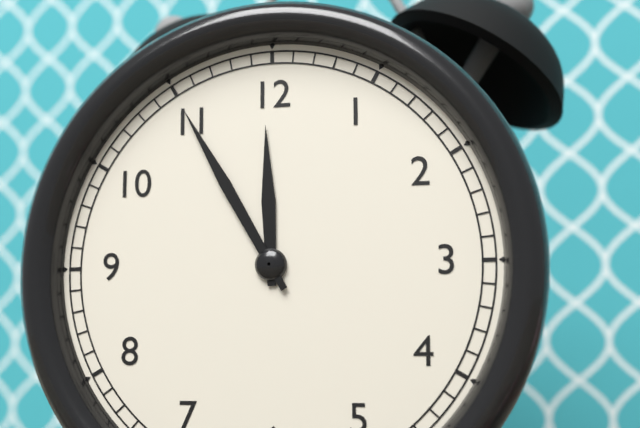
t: 11:55
